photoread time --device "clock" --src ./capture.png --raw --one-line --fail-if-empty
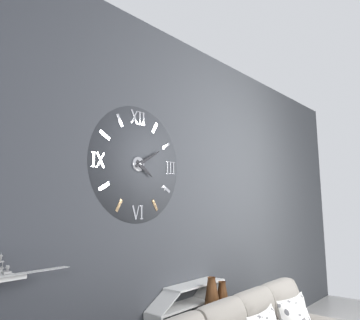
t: 4:10
